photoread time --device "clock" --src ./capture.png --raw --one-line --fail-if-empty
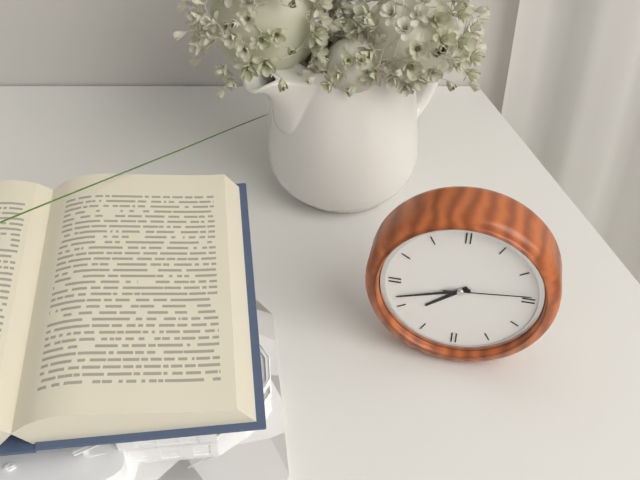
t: 7:42:14
